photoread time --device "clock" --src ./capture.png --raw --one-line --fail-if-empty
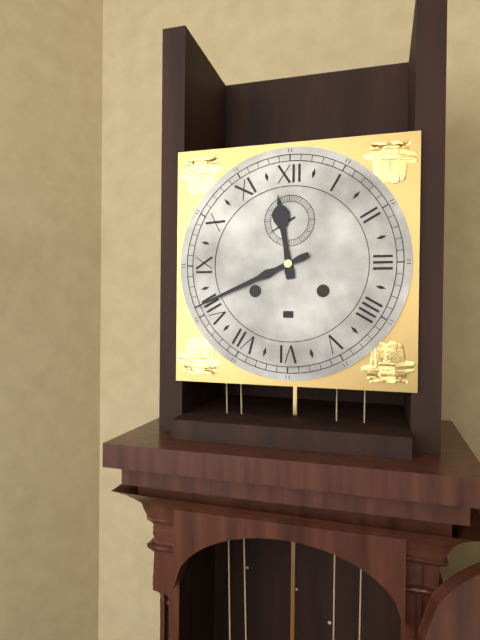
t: 11:41
